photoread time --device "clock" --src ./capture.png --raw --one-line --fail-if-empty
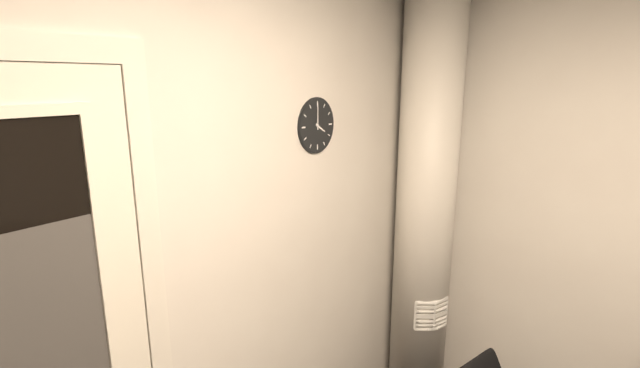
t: 4:00
